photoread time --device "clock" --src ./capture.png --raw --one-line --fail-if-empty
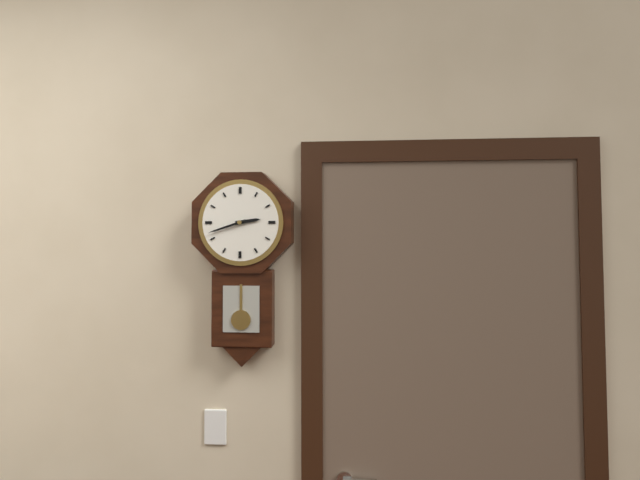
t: 2:42
